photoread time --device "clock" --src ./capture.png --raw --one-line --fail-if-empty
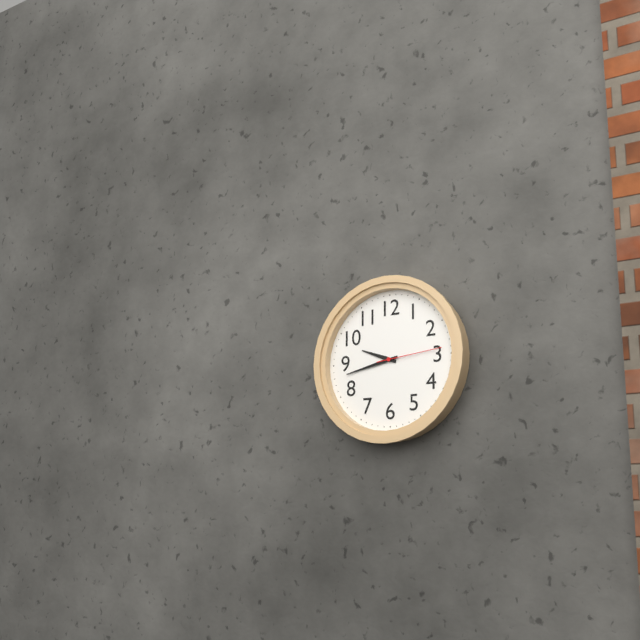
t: 9:43:14
